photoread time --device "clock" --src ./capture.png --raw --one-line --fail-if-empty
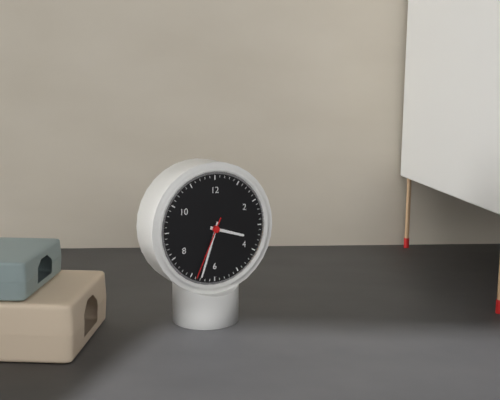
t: 3:33:34
